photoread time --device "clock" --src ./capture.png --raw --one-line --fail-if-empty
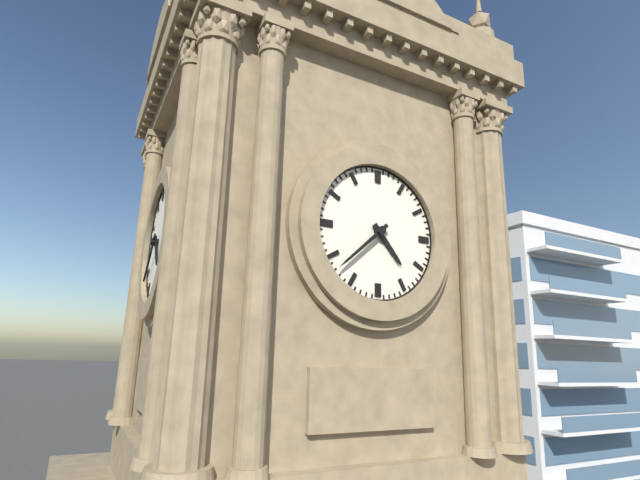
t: 4:38
